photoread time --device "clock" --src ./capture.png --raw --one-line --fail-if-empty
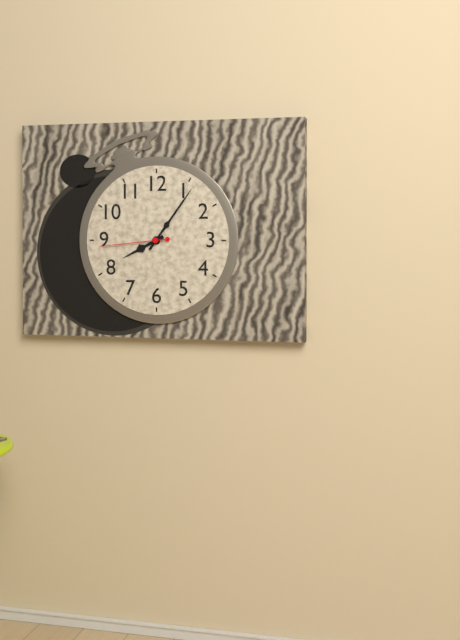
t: 8:06:44
